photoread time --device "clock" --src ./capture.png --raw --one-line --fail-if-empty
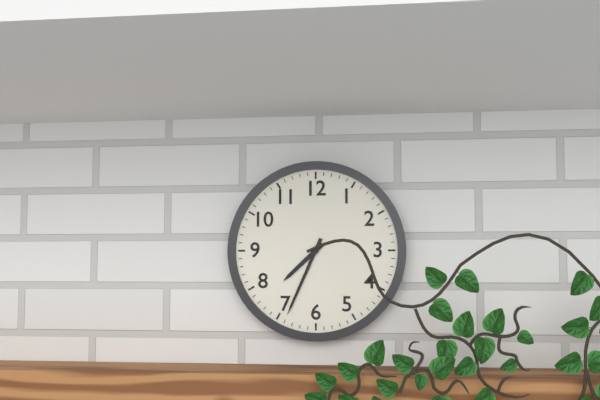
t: 7:34
